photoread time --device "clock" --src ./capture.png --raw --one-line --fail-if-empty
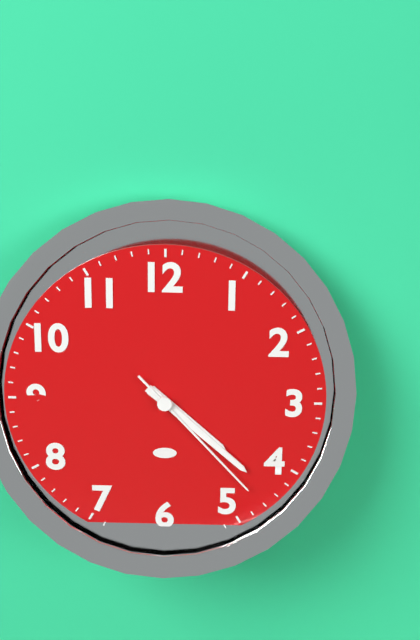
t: 4:22:23
